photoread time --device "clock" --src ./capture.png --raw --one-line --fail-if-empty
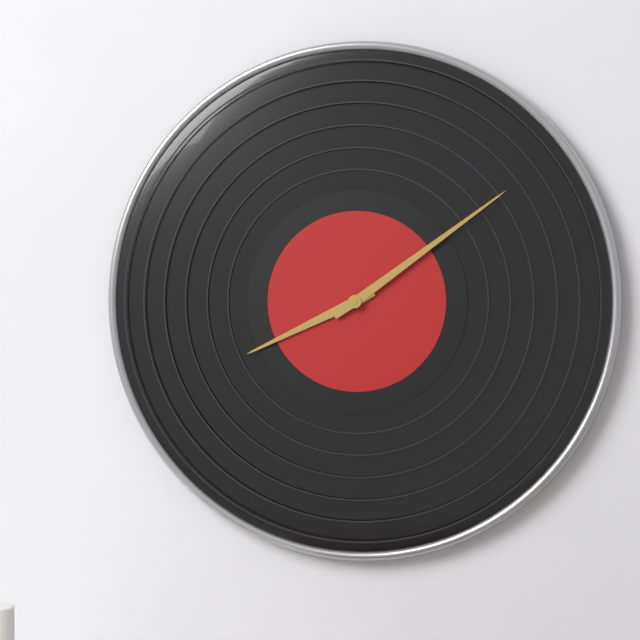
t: 8:09
